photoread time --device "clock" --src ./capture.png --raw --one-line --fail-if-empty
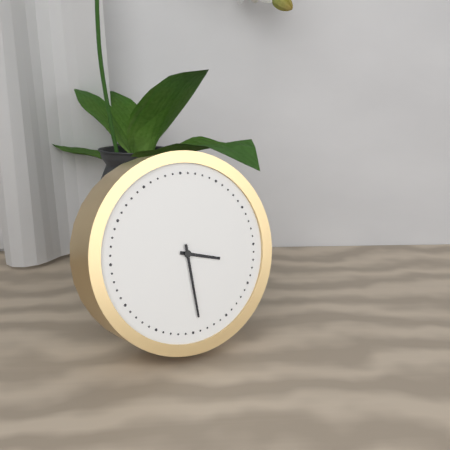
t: 3:29
